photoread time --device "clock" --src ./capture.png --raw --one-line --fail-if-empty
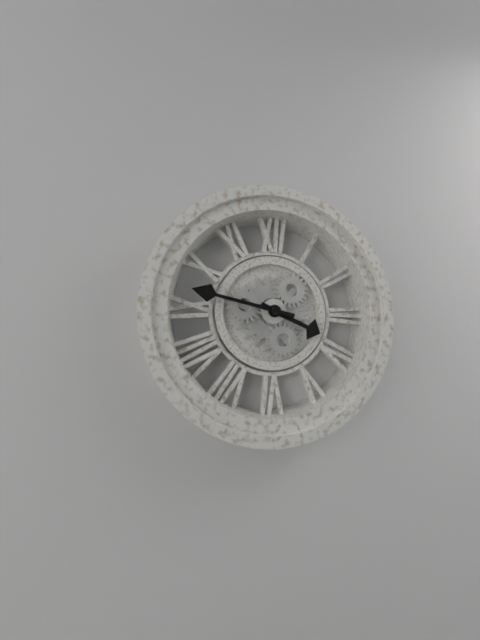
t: 3:47
